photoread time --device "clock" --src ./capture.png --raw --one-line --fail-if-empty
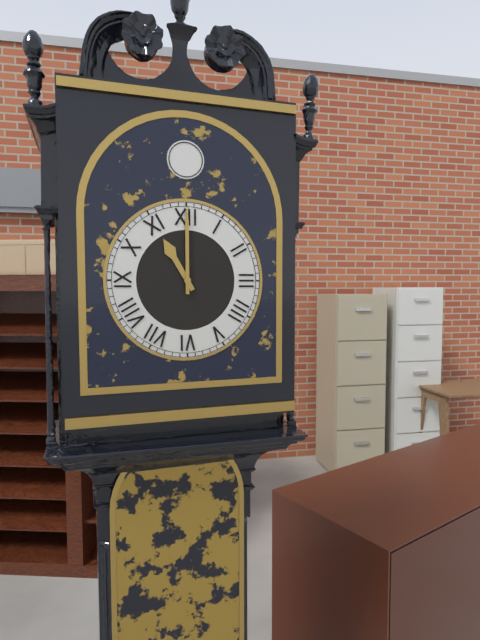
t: 11:00
